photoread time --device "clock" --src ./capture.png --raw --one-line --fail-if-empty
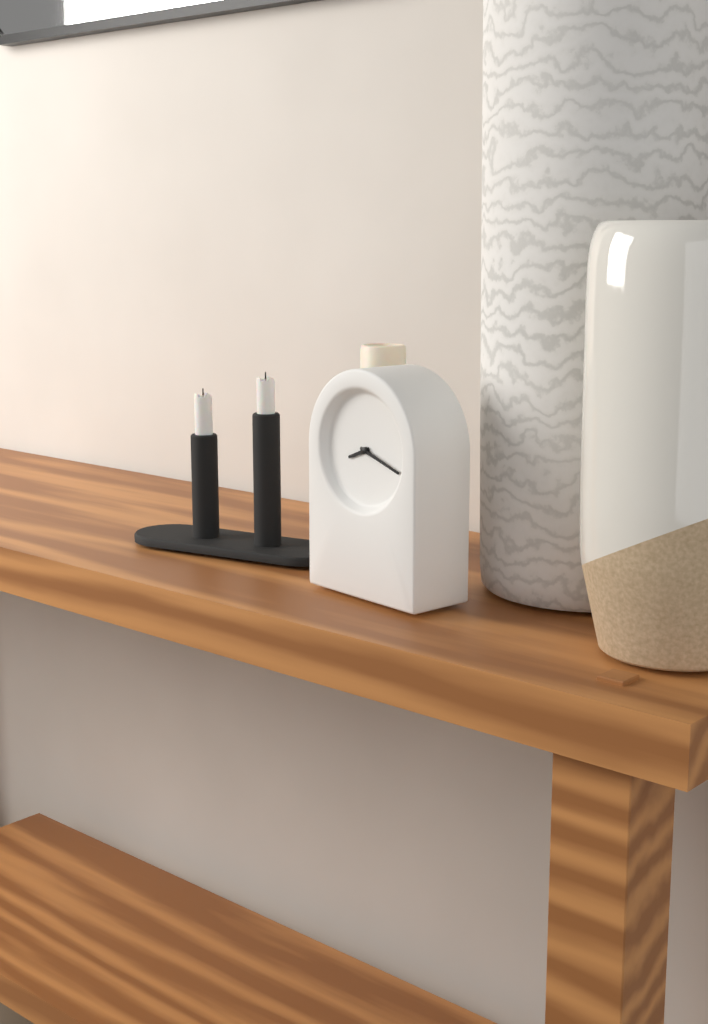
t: 8:18
